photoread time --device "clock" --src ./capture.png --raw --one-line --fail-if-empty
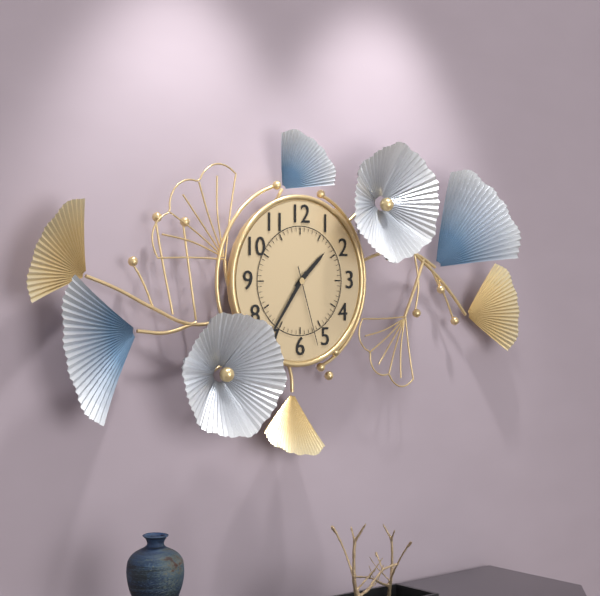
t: 1:36:27
